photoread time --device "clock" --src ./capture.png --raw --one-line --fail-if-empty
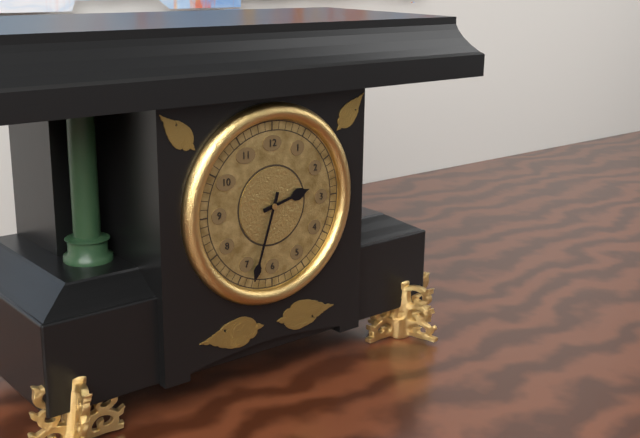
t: 2:33
